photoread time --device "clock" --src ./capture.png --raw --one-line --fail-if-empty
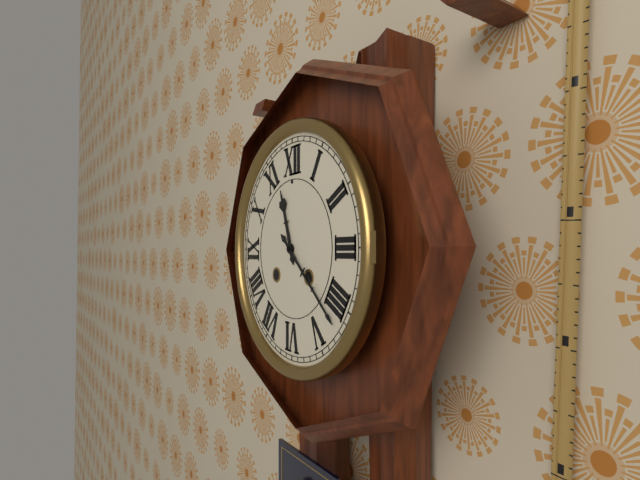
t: 11:22
